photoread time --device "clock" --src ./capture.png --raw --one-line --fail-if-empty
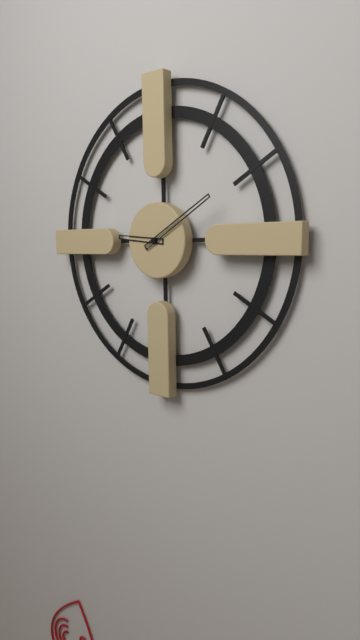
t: 9:10
